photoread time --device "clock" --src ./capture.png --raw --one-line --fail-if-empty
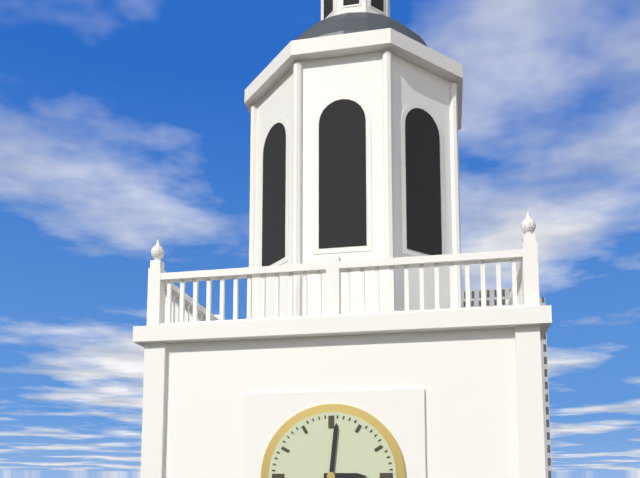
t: 3:01
